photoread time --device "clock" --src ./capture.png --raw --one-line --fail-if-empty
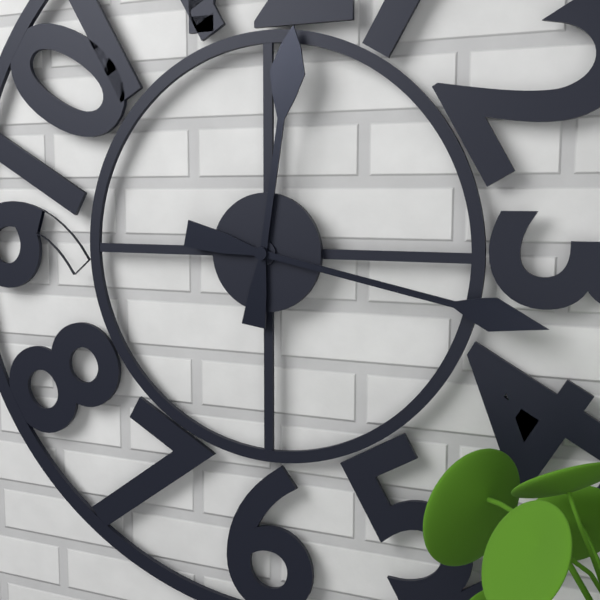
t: 12:17
